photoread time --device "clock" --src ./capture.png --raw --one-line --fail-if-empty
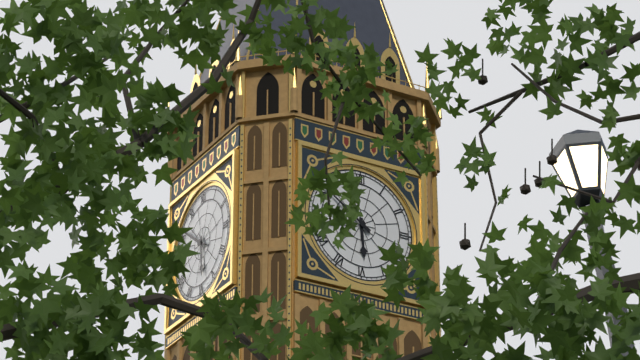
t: 5:51
